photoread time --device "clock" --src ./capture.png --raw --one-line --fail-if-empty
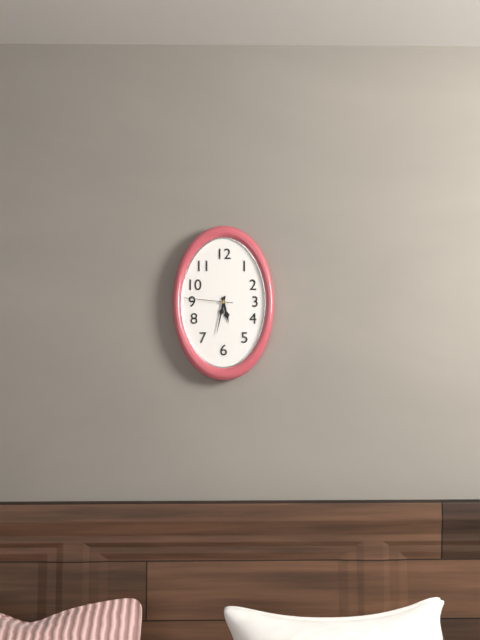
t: 5:32
